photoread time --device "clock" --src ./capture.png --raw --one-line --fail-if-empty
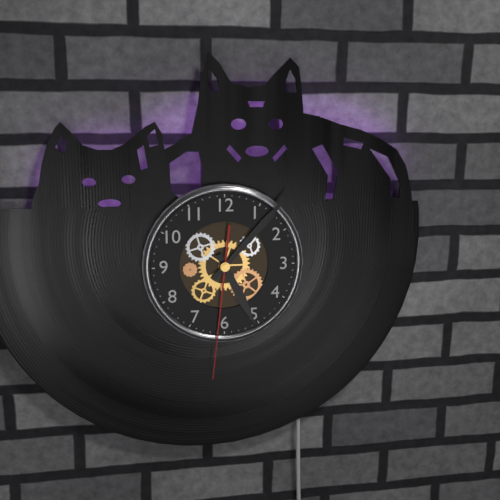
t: 5:07:31
